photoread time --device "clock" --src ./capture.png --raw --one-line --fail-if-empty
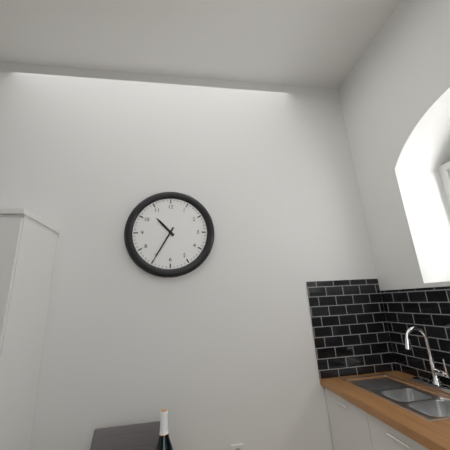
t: 10:35
